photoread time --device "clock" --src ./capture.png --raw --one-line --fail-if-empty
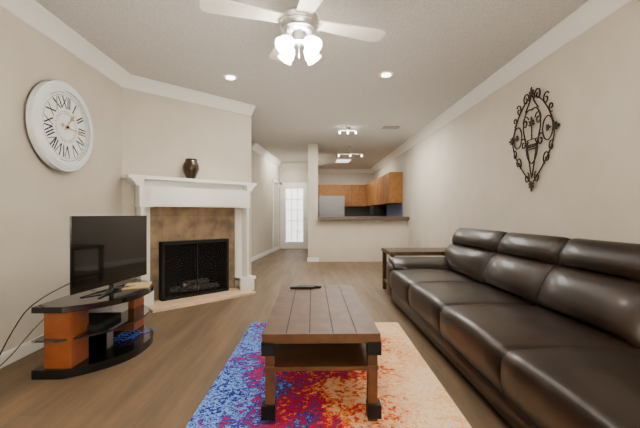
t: 1:16
